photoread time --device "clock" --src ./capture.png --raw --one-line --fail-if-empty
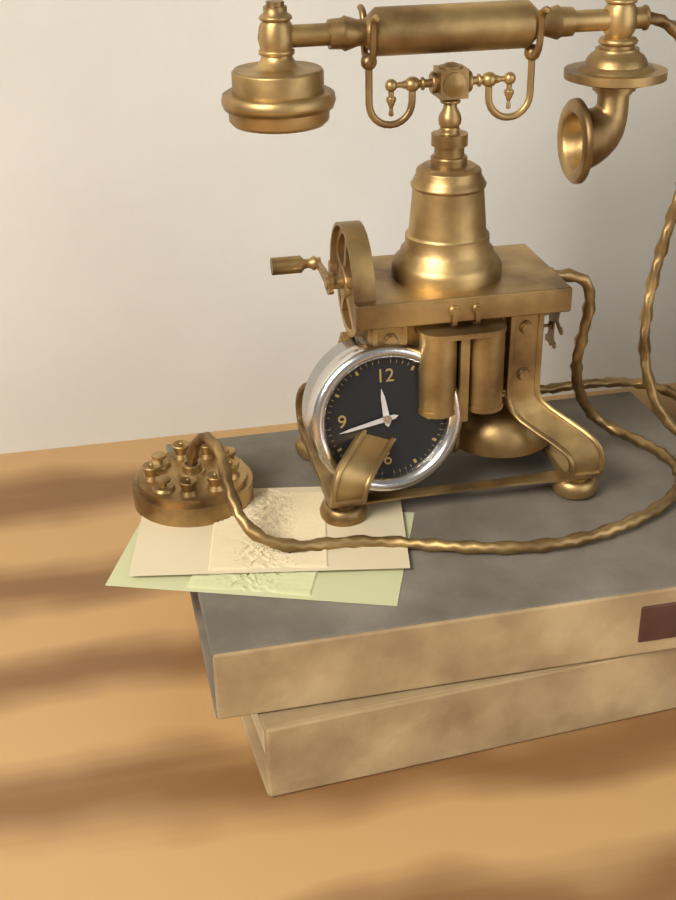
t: 11:43
